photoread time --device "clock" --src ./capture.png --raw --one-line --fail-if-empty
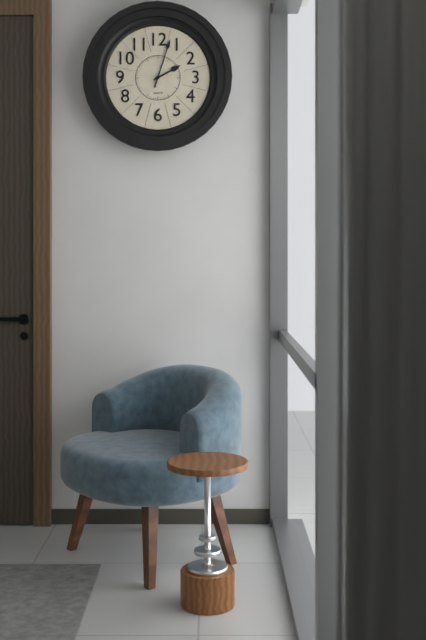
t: 2:03
